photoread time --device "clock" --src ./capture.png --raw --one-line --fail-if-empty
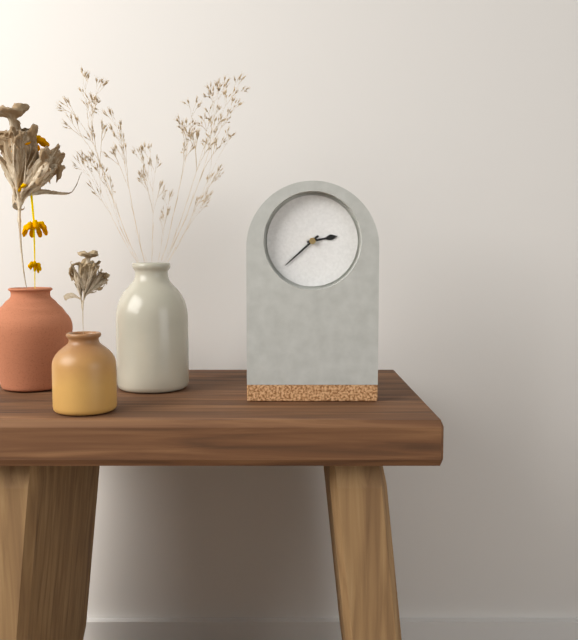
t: 2:38
